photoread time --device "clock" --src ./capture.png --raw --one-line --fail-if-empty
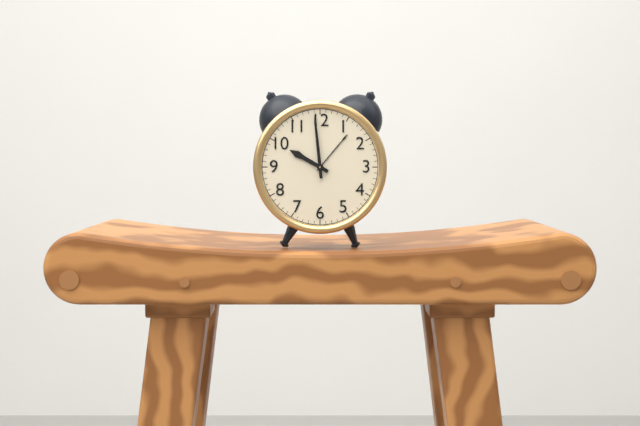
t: 9:59
